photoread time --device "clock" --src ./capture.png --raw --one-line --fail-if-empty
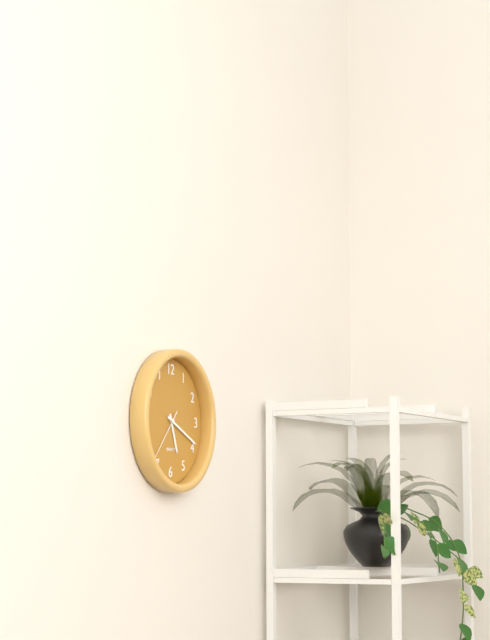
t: 5:19
